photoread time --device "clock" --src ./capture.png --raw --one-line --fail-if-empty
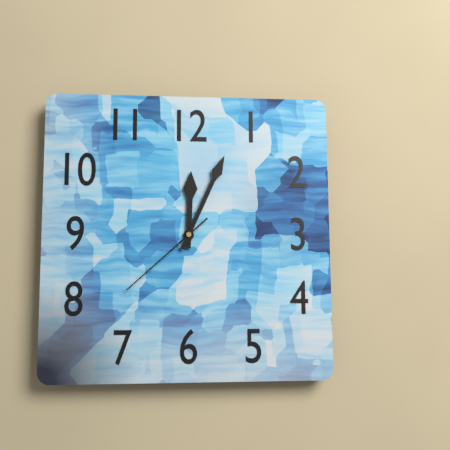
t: 12:04:38
